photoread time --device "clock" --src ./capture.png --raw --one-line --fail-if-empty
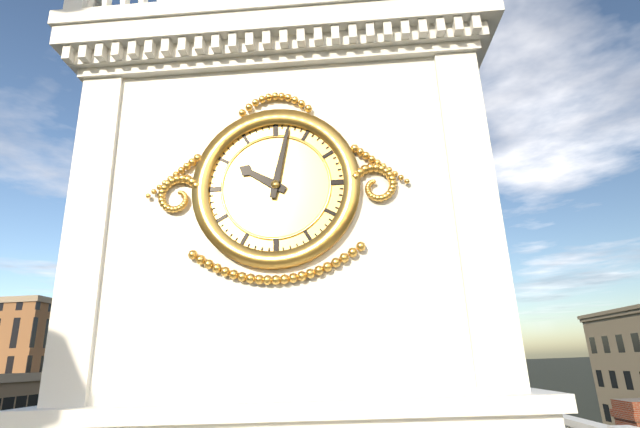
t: 10:02
